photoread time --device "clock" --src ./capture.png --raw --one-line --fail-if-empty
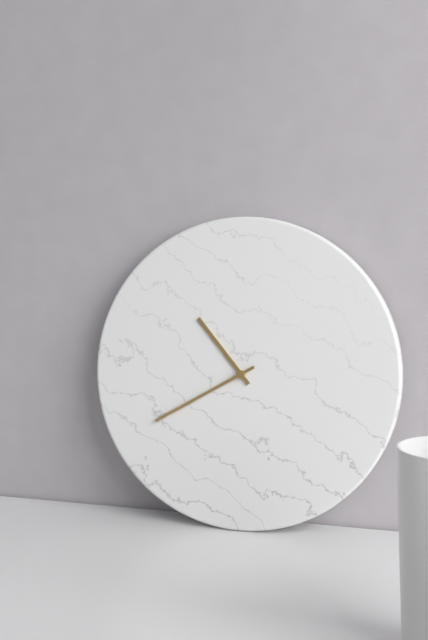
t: 10:40
